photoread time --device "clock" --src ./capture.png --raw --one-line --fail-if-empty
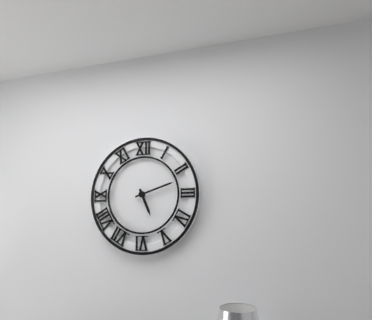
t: 5:12
